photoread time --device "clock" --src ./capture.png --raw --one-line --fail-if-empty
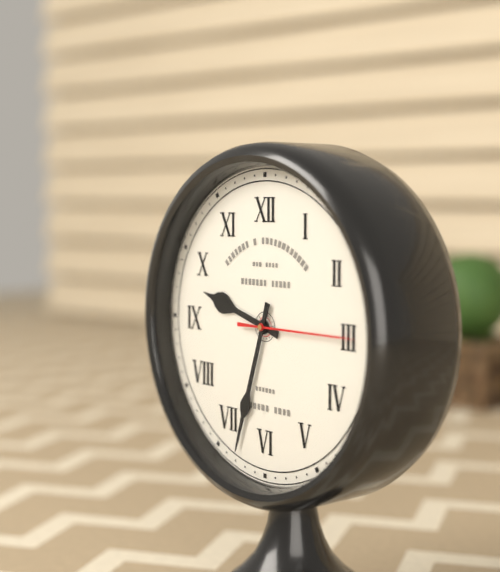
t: 9:33:15
